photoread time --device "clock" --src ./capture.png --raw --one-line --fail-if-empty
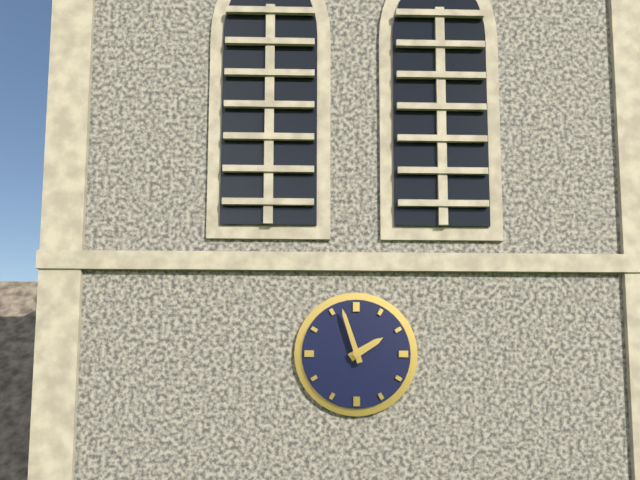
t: 1:57
